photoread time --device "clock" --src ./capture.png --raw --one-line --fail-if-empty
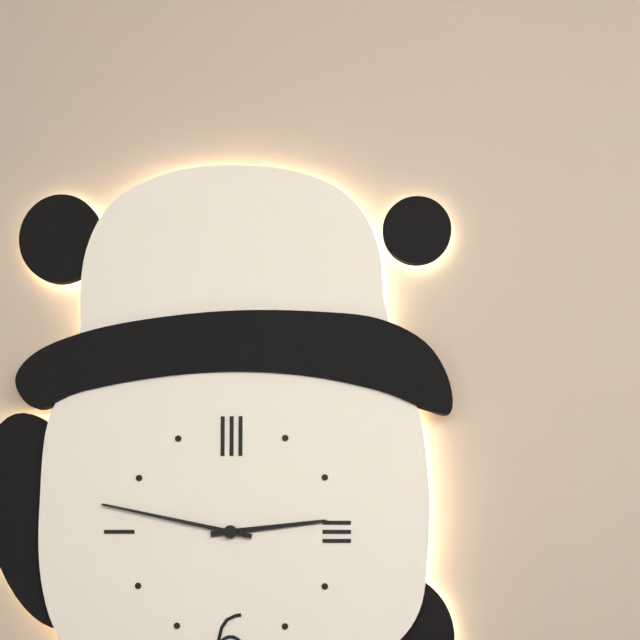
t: 2:47
